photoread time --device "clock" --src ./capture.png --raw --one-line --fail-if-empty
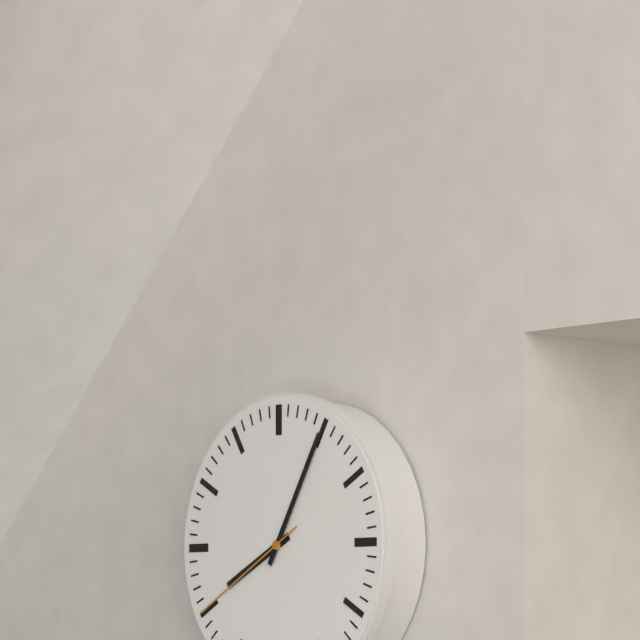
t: 8:05:40
